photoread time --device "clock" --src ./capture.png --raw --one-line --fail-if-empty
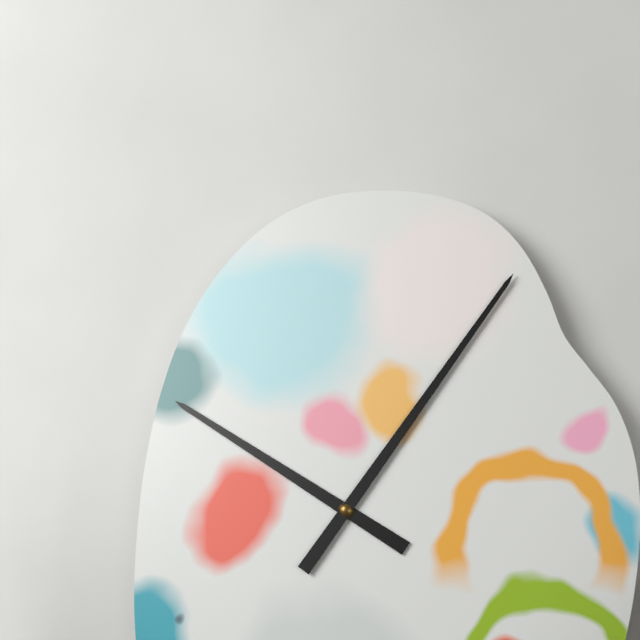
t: 10:06
